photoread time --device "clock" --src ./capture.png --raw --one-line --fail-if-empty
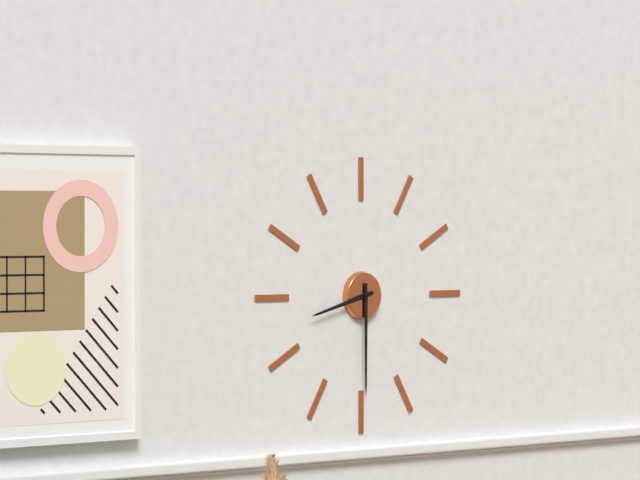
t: 8:30
